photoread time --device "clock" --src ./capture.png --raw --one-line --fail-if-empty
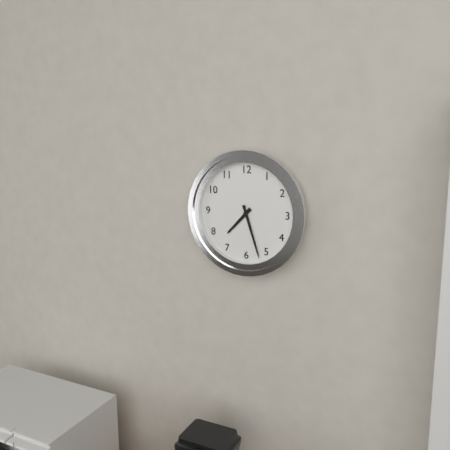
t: 7:27
